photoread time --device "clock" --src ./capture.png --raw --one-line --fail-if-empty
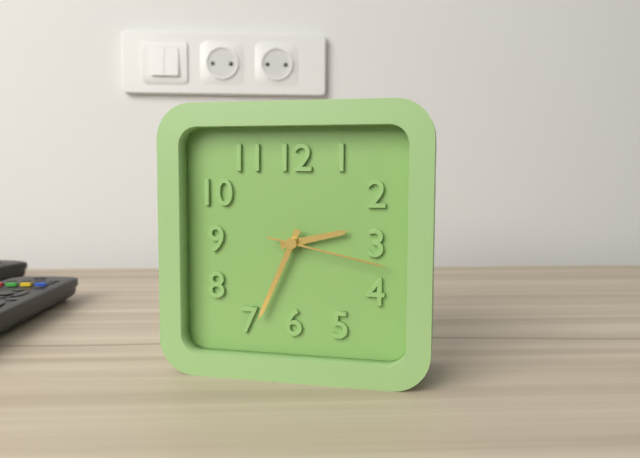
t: 2:34:17
